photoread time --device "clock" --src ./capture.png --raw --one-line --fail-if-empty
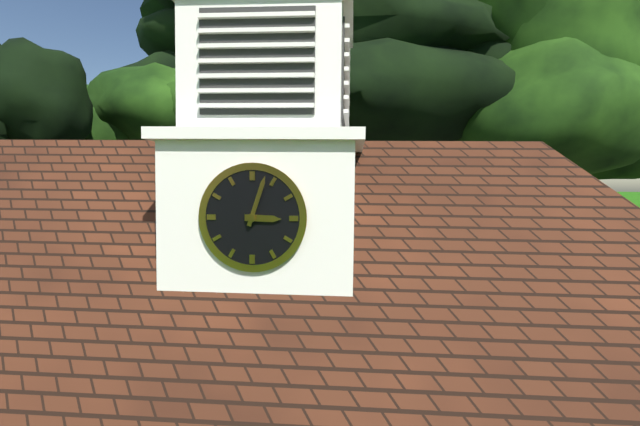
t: 3:03
